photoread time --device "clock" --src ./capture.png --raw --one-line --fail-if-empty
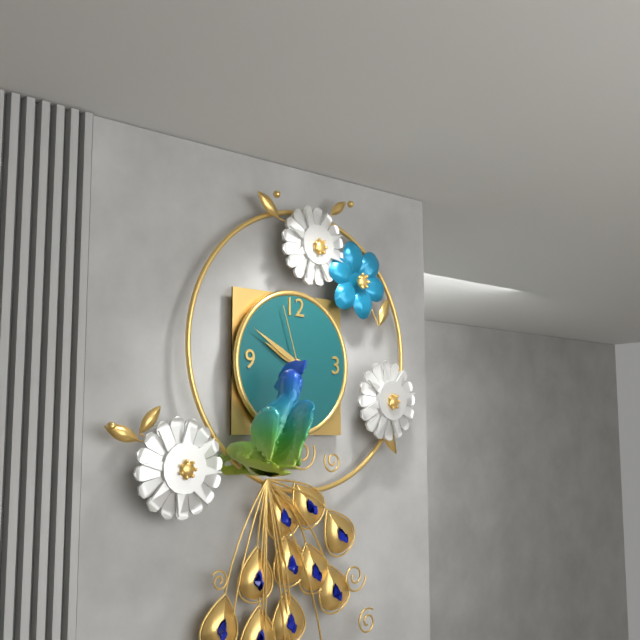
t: 9:50:57
